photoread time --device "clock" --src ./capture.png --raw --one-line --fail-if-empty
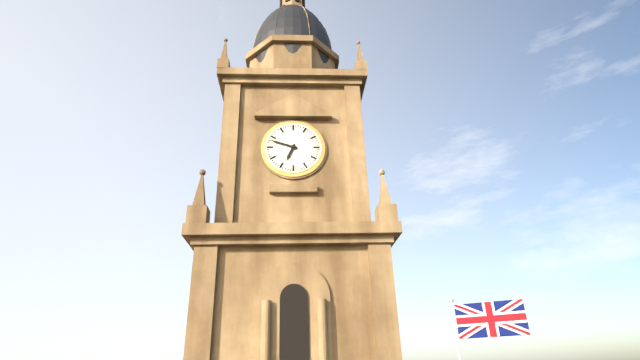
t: 6:48
